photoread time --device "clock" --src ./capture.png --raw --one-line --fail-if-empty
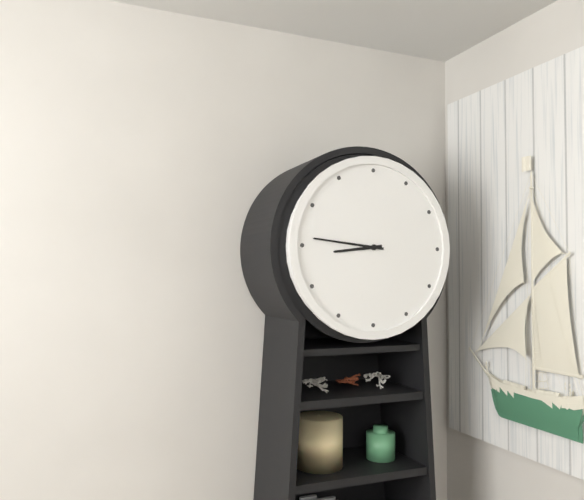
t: 8:46
